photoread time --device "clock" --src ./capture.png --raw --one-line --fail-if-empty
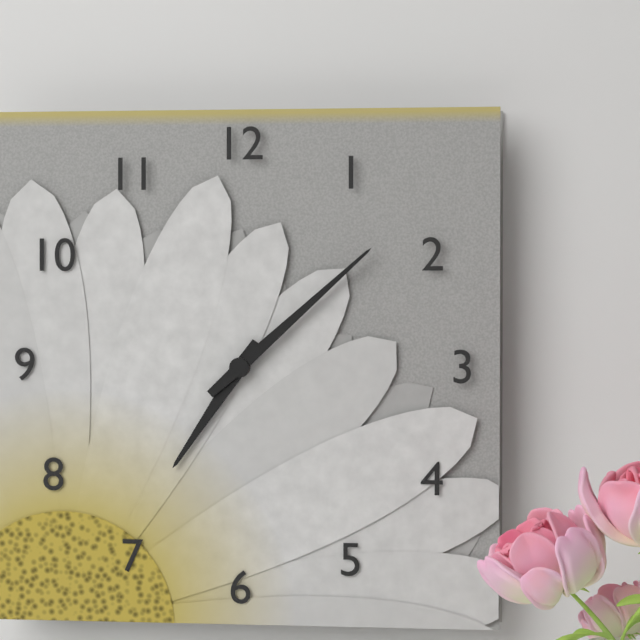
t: 7:08
